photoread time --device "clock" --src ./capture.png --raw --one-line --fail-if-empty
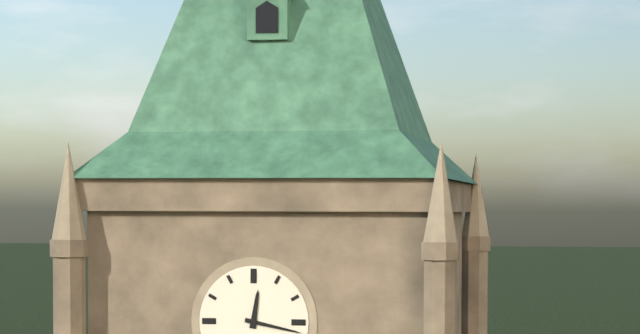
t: 12:17
